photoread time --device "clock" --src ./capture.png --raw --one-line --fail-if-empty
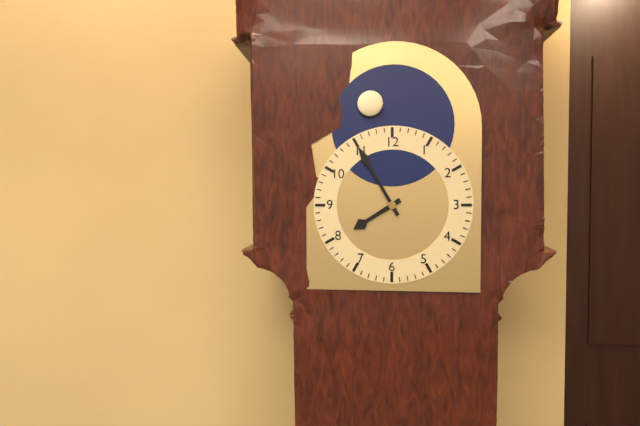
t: 7:55
